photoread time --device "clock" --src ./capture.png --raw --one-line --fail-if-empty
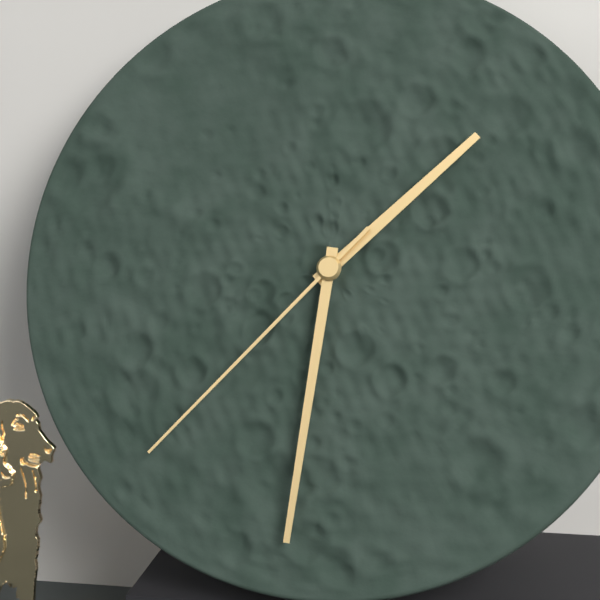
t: 1:31:37
